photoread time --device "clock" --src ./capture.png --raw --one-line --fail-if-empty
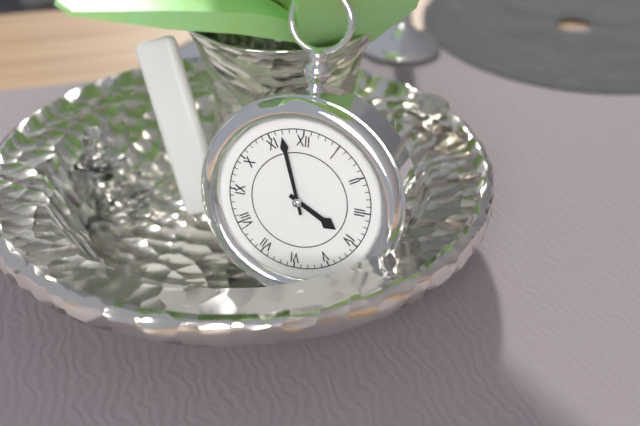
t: 3:57
